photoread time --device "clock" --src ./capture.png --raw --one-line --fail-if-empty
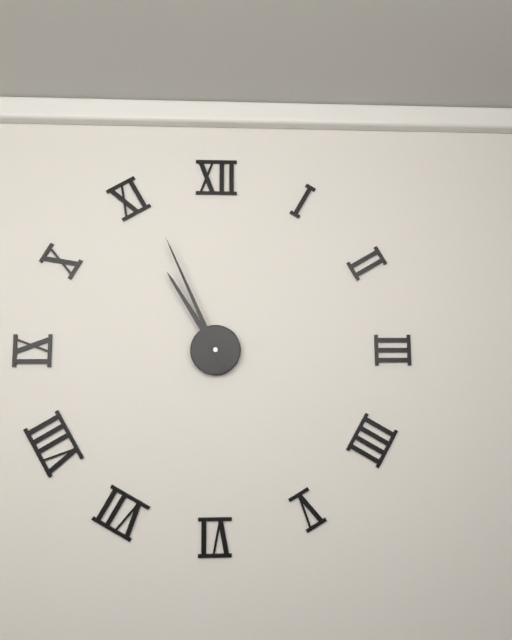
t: 10:56
